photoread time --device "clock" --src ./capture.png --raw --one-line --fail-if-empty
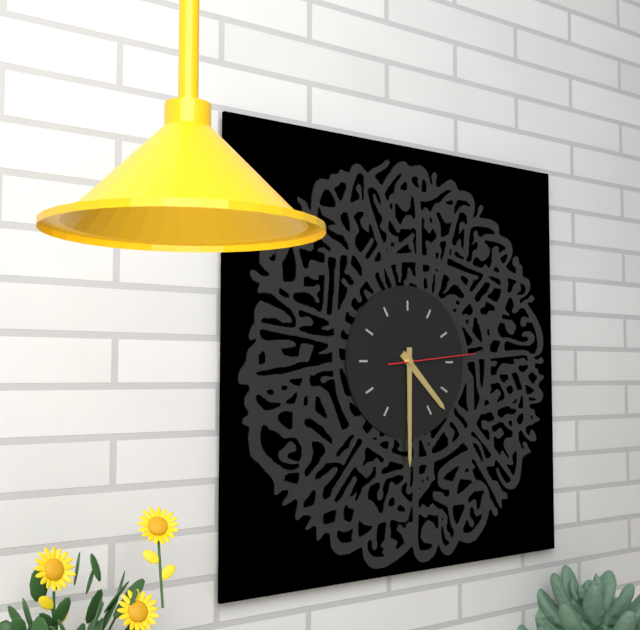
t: 4:30:14
